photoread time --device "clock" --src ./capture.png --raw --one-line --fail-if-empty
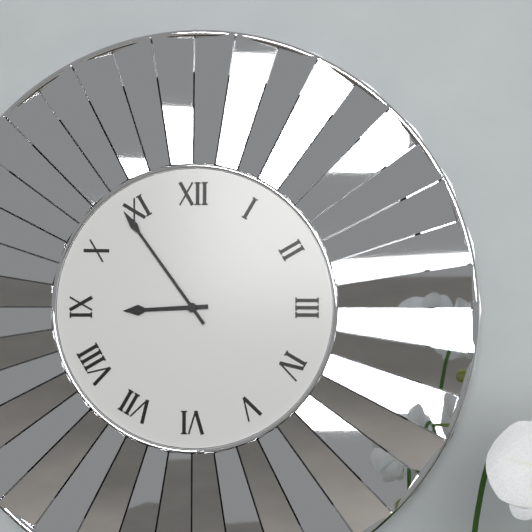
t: 8:54
